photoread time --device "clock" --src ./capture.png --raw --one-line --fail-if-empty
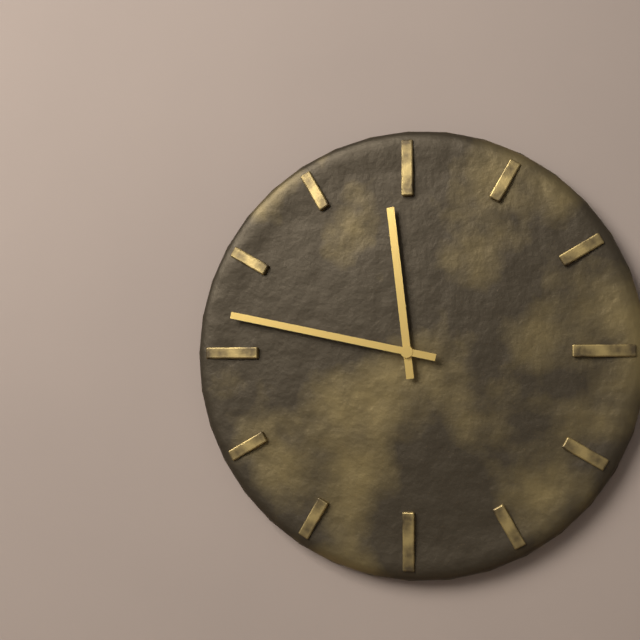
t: 11:47
